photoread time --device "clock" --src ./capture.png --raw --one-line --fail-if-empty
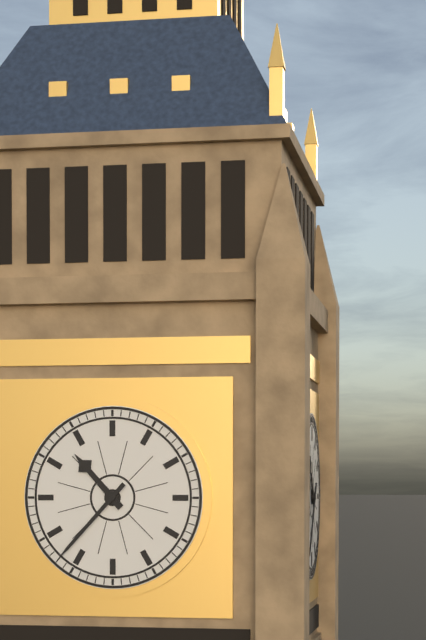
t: 10:37
